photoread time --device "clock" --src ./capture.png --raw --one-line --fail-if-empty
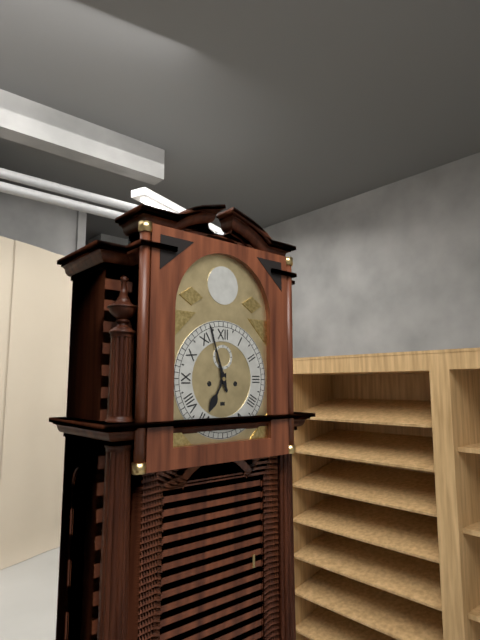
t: 6:57
